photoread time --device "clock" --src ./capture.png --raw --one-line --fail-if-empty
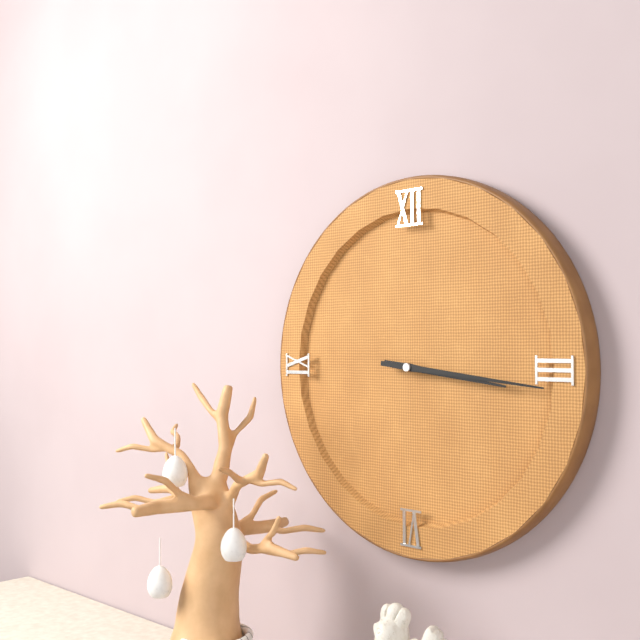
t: 3:16
